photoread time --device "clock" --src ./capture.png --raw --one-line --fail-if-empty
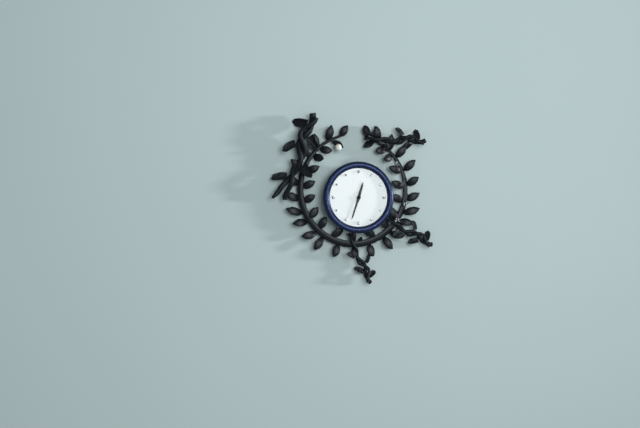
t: 12:33
